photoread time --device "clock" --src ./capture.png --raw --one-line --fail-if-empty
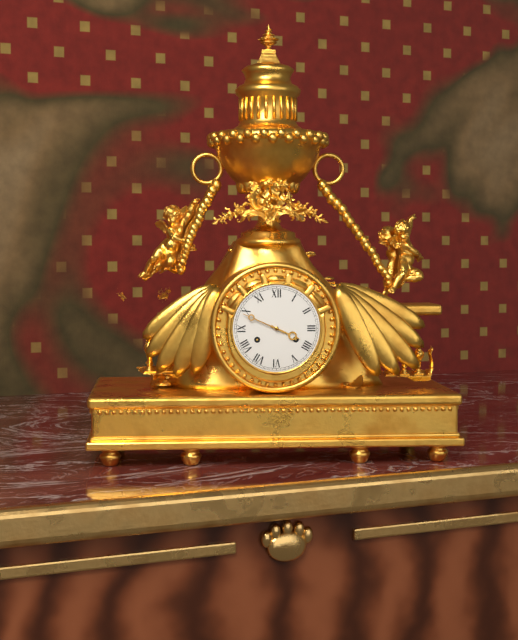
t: 3:49
